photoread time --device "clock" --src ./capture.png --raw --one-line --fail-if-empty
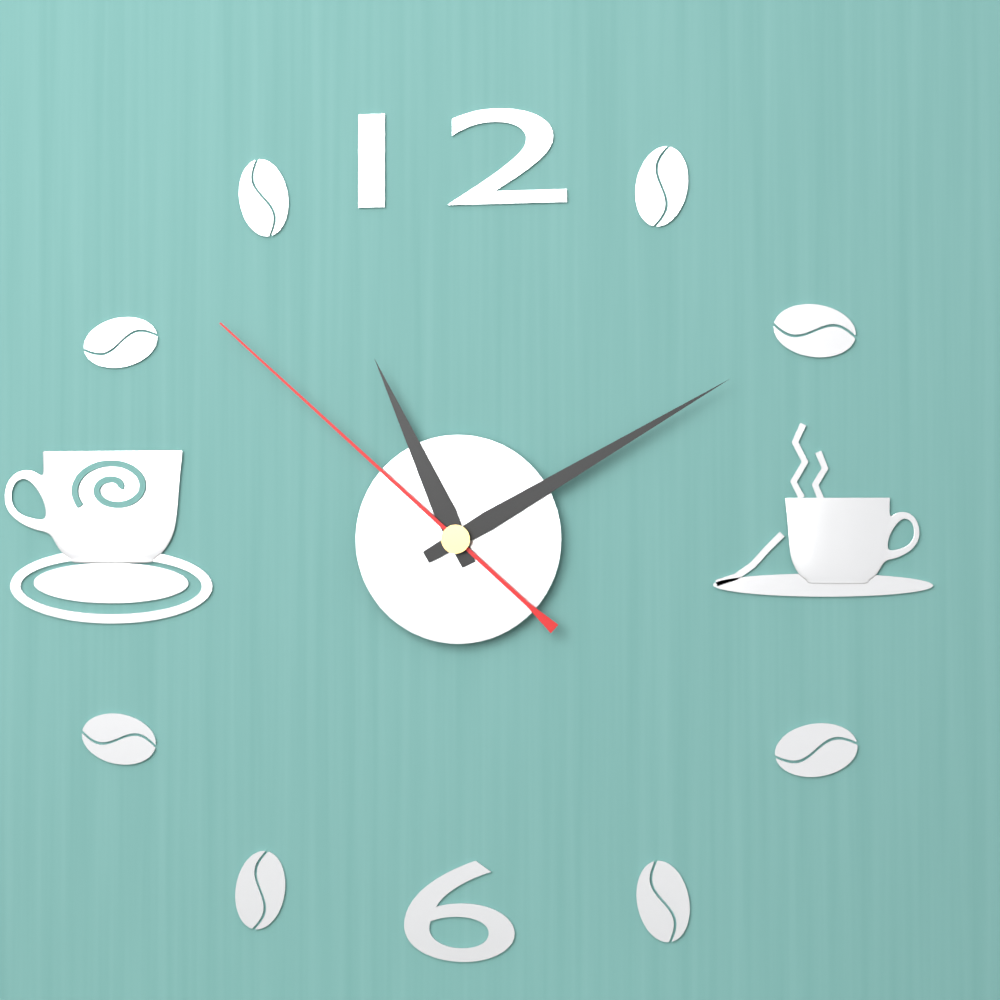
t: 11:10:52
